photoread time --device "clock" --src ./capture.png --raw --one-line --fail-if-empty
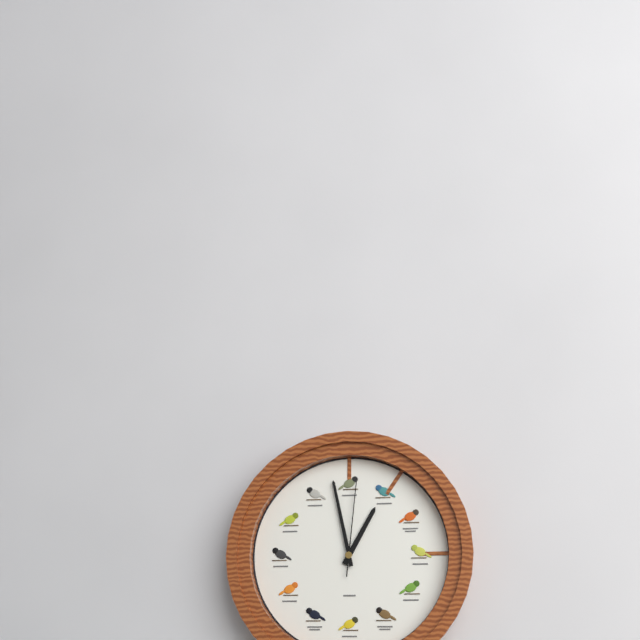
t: 12:58:01
